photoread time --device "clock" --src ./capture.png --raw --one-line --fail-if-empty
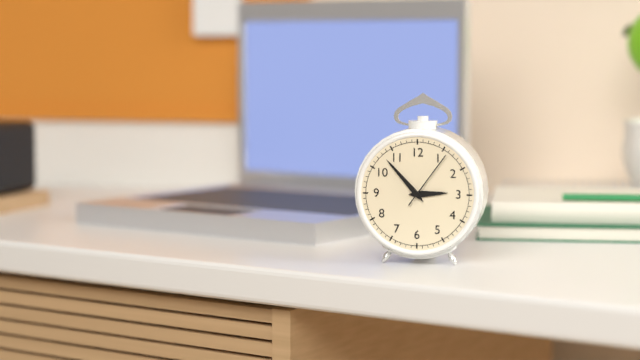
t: 2:53:06
